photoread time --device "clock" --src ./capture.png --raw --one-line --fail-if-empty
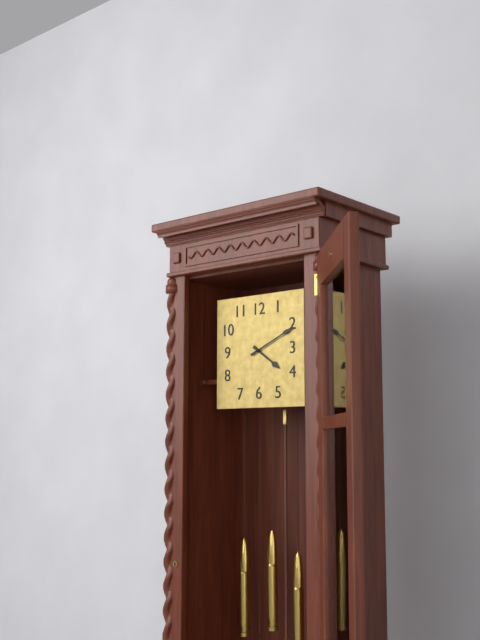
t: 4:11
